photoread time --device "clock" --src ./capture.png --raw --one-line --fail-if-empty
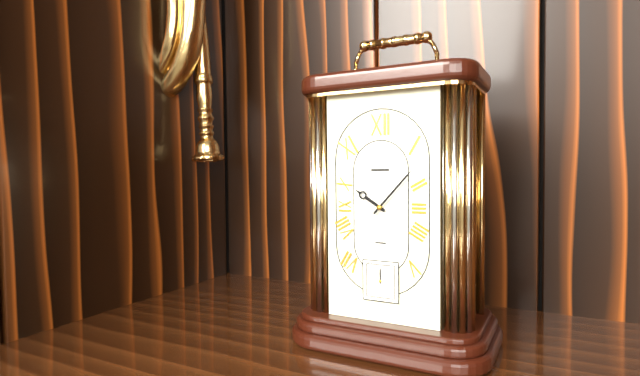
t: 10:07
